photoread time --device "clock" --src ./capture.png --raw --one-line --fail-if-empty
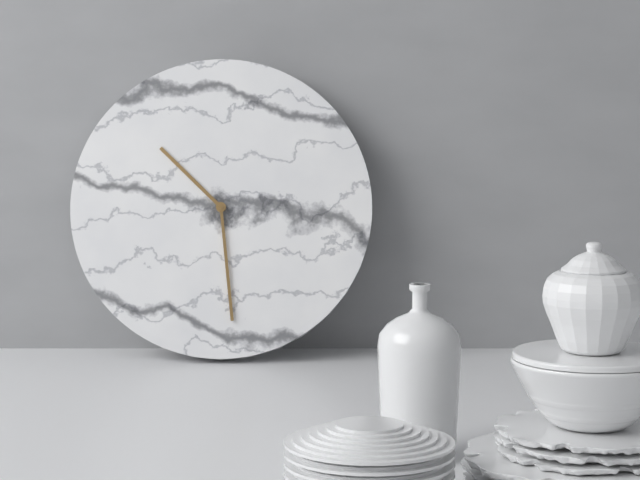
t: 10:29
